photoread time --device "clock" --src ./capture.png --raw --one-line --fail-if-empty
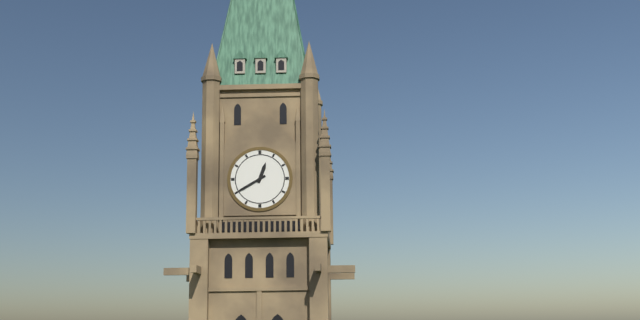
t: 12:40
